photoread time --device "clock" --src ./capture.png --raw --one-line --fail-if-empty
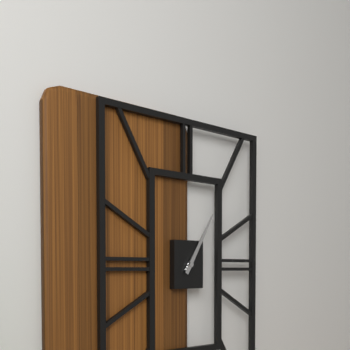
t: 1:05
